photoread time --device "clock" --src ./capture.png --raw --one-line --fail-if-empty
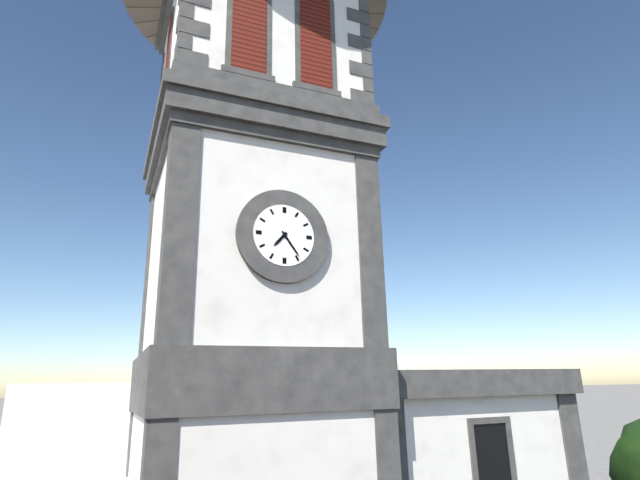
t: 7:24
